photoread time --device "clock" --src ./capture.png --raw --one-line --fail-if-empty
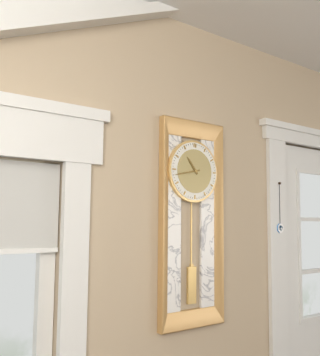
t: 10:43
